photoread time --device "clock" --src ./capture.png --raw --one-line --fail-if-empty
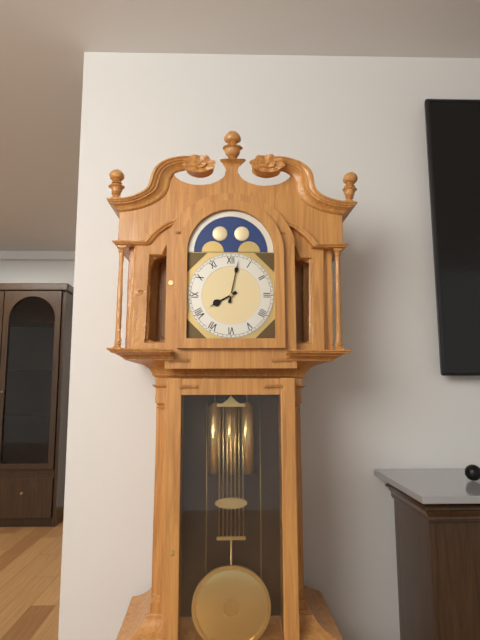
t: 8:02
